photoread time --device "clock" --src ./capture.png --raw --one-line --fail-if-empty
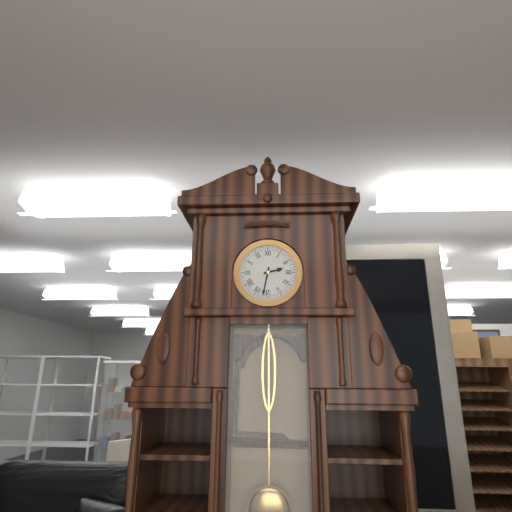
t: 2:32
